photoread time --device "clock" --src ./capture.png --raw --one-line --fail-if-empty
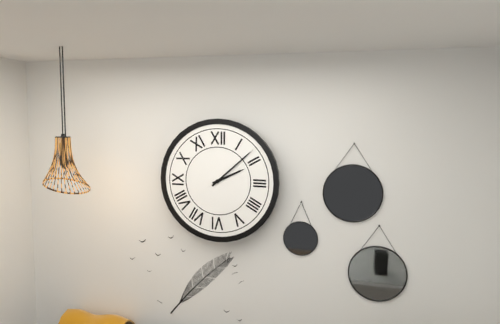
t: 2:08
